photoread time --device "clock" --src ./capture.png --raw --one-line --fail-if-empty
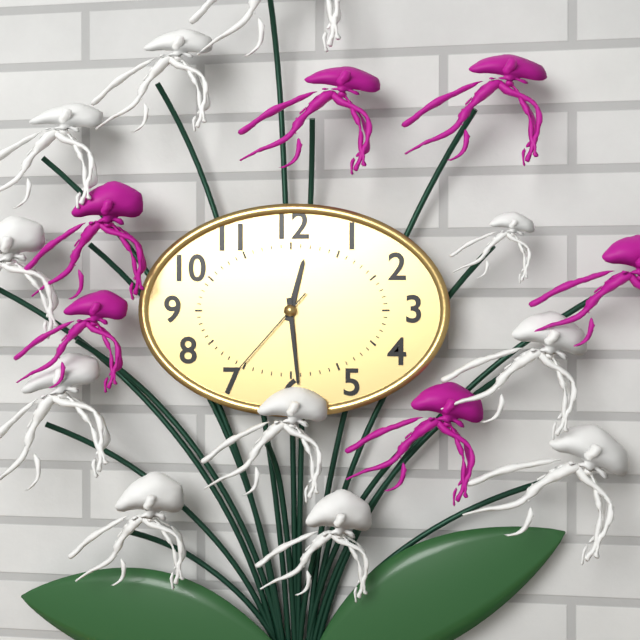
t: 12:29:37
